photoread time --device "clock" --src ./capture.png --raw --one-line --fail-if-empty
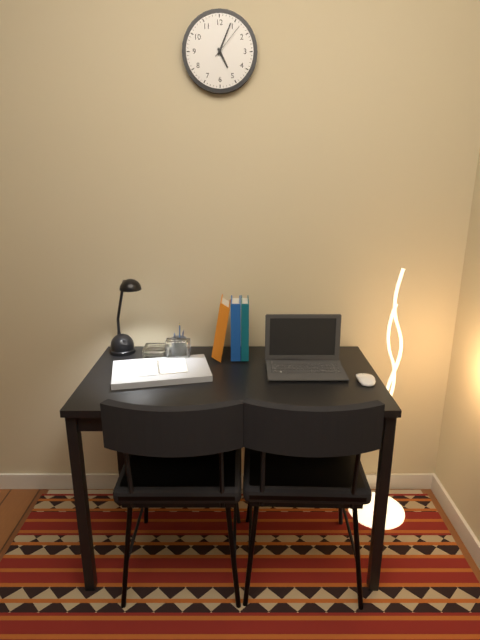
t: 5:04
